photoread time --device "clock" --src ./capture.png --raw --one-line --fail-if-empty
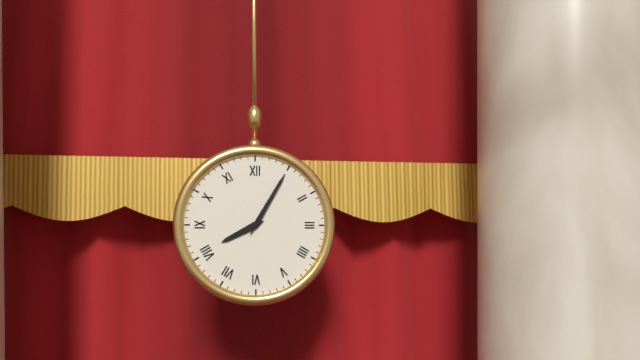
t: 8:05
